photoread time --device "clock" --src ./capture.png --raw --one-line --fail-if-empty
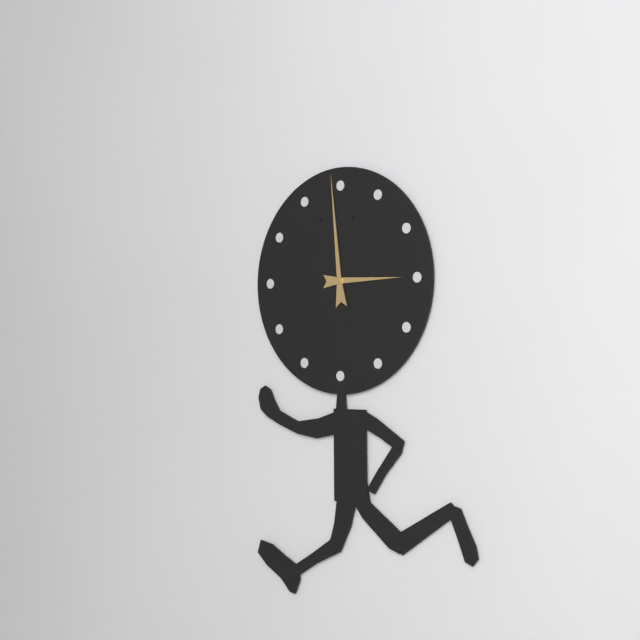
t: 2:59
